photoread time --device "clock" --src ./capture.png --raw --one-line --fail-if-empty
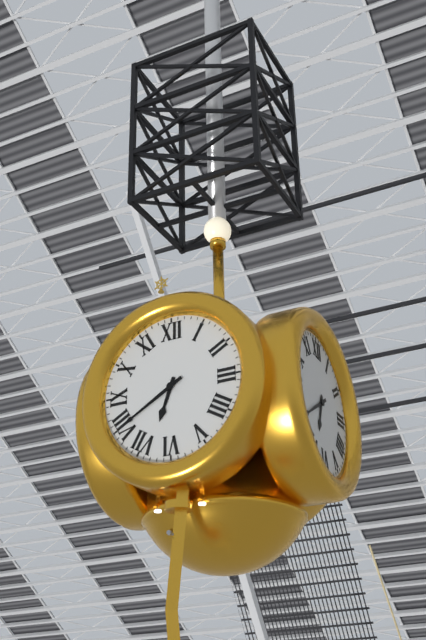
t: 6:40
